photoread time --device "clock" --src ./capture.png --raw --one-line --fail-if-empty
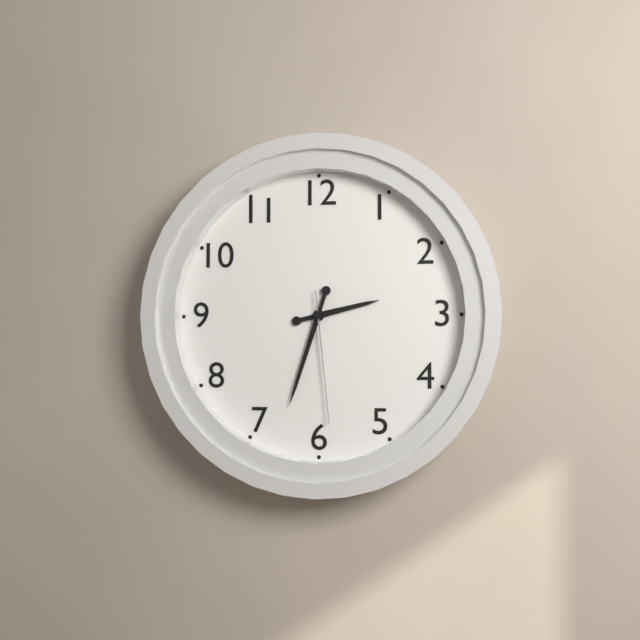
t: 2:33:29
